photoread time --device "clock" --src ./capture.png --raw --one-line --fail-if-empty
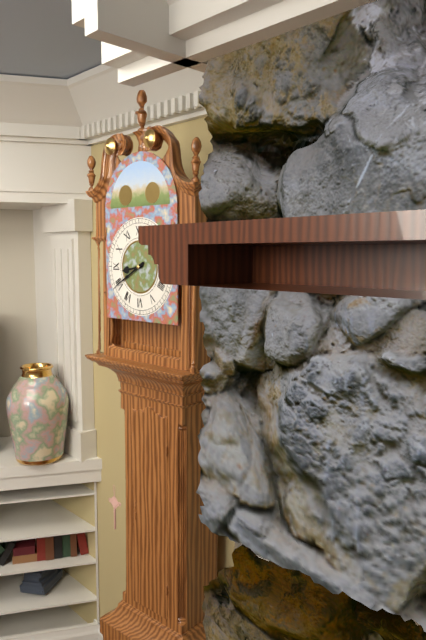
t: 8:40
